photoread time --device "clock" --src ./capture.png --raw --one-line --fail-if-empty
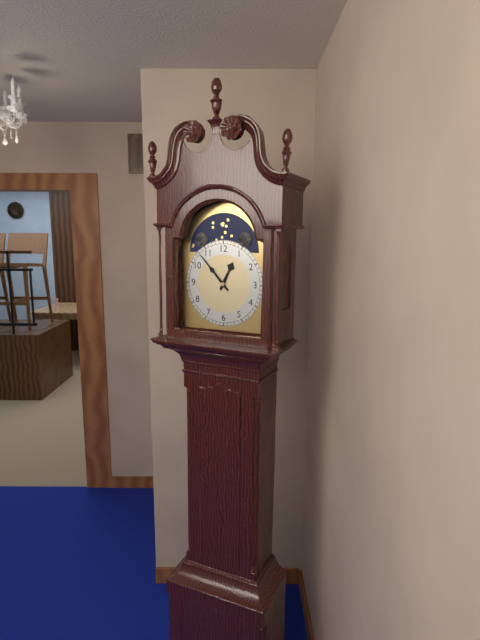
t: 12:53
